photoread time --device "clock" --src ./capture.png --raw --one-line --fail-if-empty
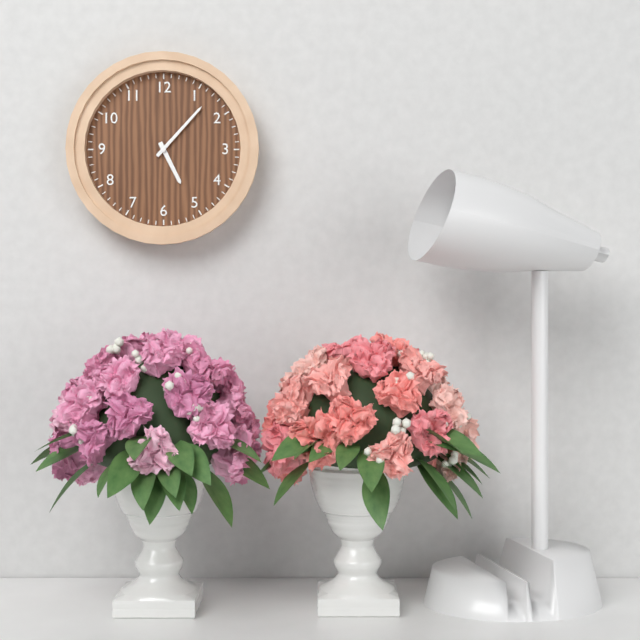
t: 5:07
